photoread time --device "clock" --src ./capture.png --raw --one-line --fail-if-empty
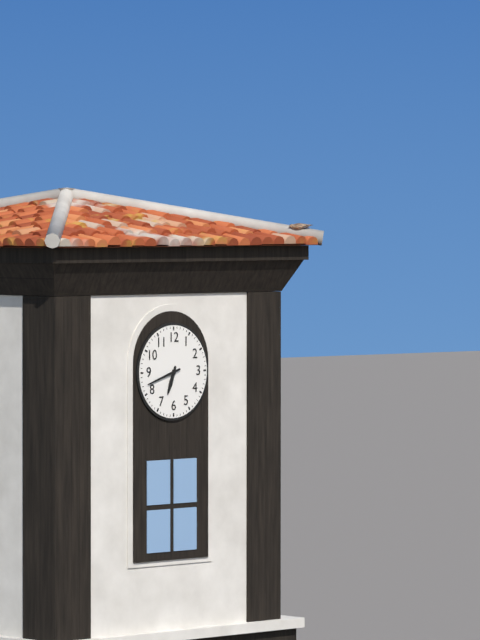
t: 6:42
